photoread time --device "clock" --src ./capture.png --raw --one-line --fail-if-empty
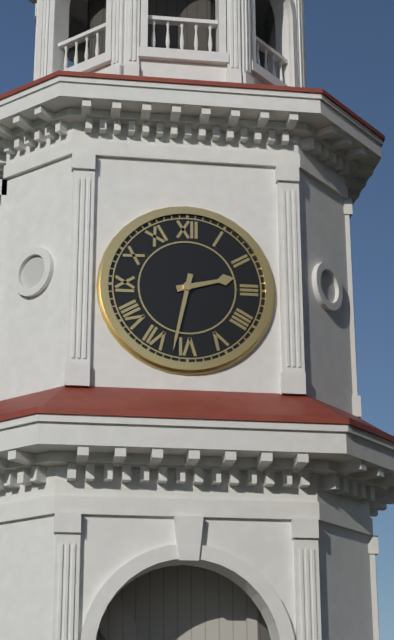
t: 2:32
